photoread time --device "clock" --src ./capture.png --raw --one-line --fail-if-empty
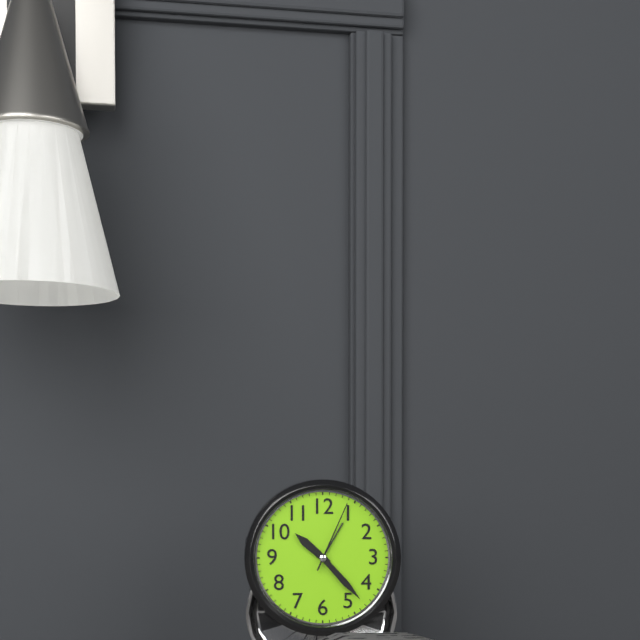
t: 10:23:04
